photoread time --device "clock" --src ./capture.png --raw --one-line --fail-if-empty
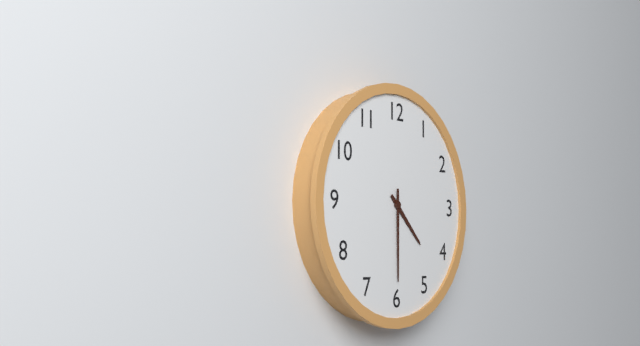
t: 4:30
